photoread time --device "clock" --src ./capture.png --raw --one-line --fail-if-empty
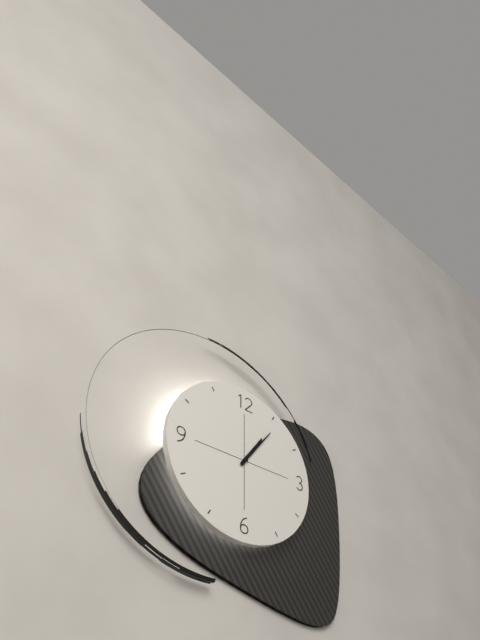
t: 1:06
